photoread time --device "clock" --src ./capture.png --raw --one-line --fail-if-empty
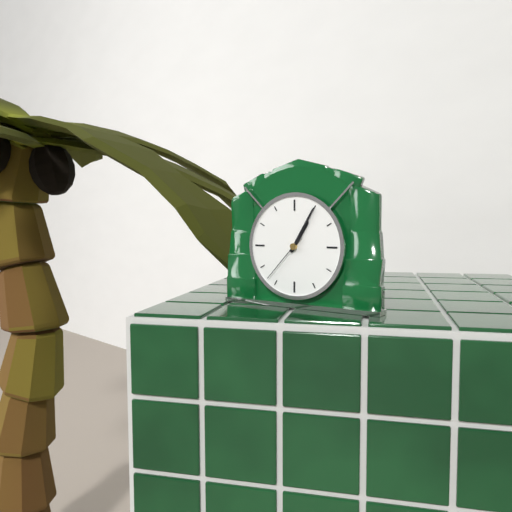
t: 1:05:37
